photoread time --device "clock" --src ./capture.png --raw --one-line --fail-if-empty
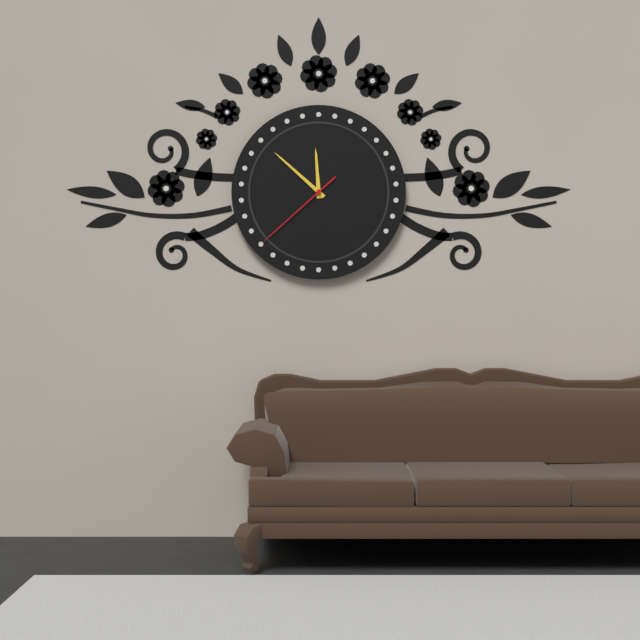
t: 11:52:38
